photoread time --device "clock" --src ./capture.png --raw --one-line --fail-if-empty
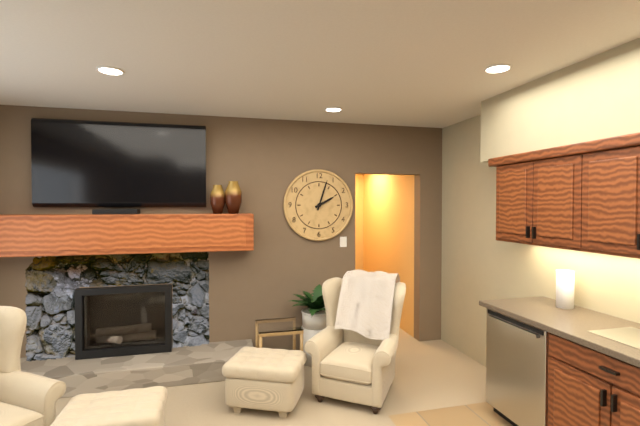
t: 2:03
